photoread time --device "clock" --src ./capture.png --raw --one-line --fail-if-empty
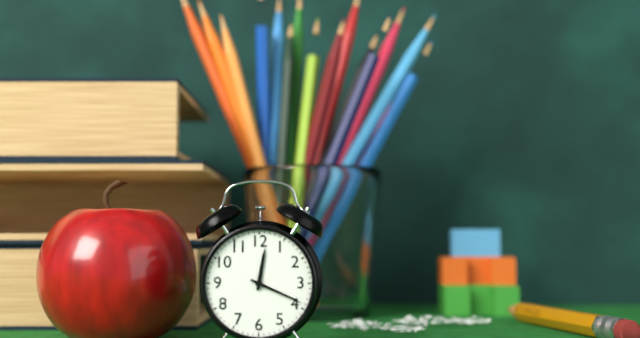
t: 12:19
